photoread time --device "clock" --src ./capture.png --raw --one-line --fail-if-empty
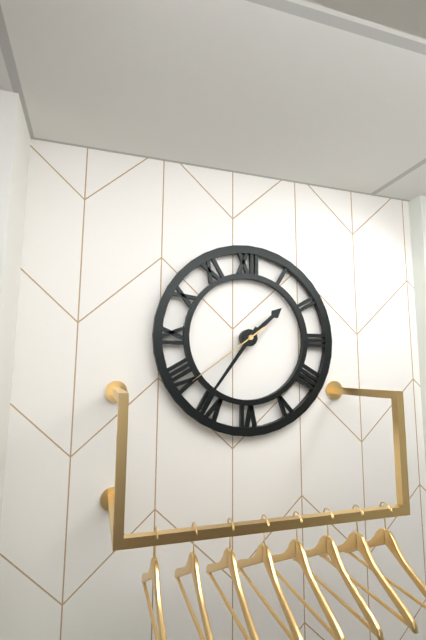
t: 1:36:39
